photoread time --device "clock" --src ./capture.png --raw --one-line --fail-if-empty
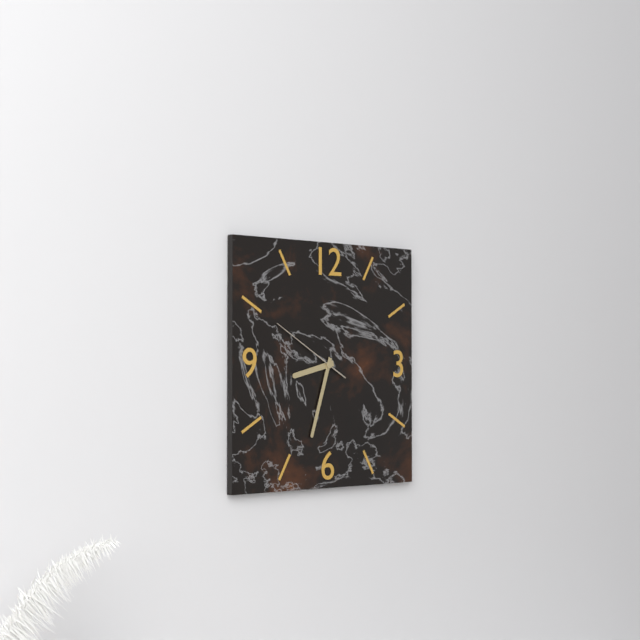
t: 8:33:50
